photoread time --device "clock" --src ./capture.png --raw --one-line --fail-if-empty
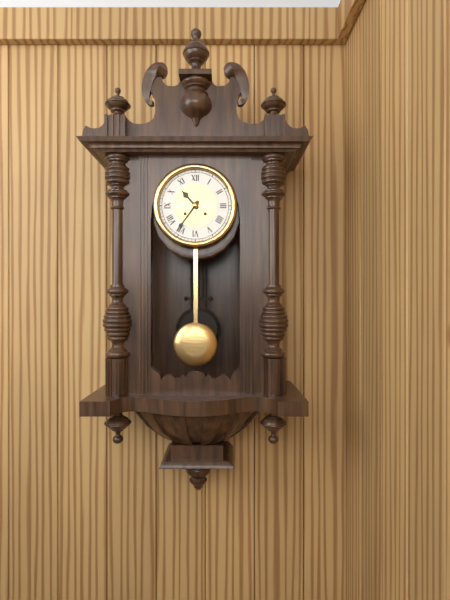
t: 10:36
